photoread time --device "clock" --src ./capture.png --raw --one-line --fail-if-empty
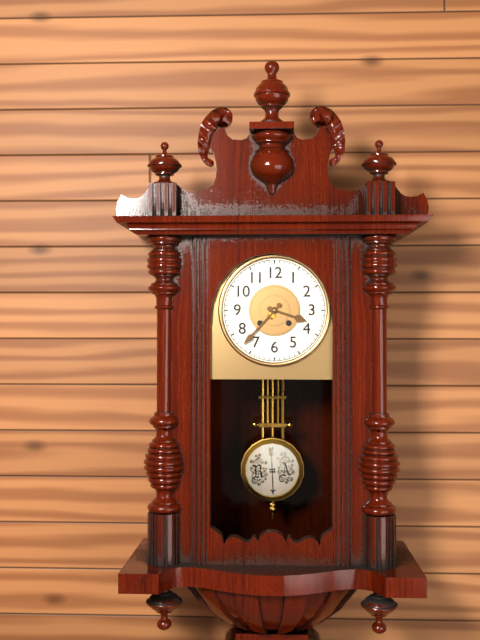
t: 3:37
